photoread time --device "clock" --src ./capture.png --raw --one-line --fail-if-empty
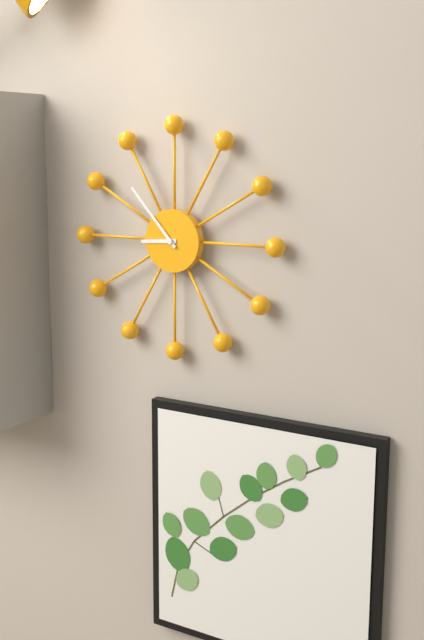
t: 8:53
